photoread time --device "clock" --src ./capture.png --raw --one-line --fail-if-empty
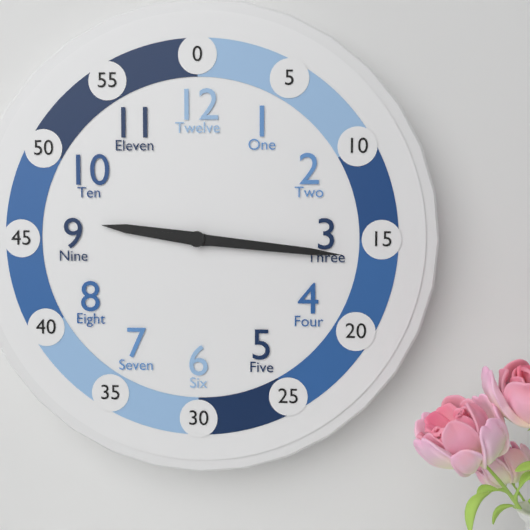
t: 9:16
